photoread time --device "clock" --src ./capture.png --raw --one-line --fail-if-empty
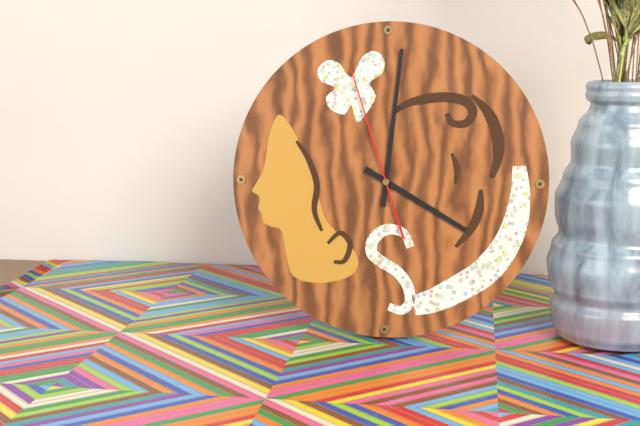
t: 4:01:57
